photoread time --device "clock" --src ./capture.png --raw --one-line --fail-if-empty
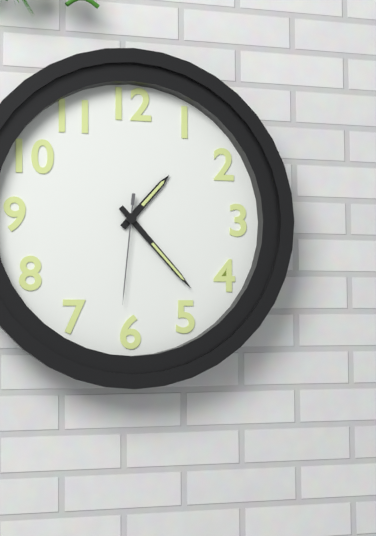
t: 1:23:31
